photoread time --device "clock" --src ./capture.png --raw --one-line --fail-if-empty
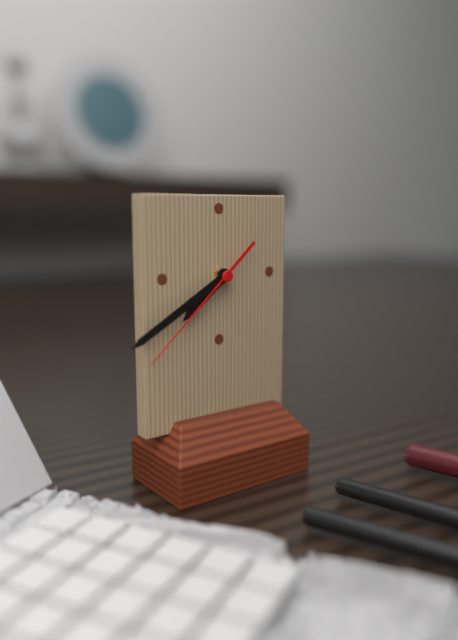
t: 7:40:38
